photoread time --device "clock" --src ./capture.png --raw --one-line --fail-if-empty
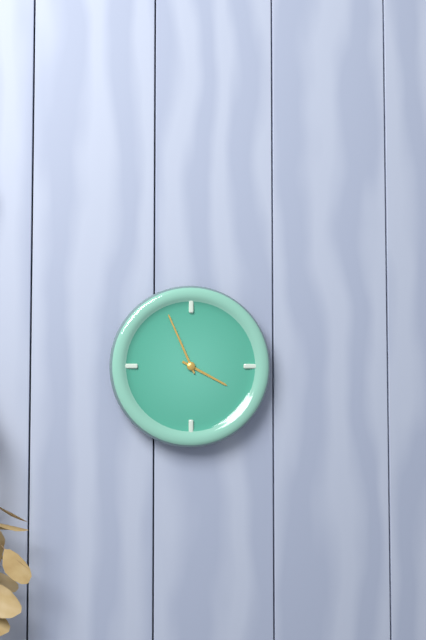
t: 3:56
